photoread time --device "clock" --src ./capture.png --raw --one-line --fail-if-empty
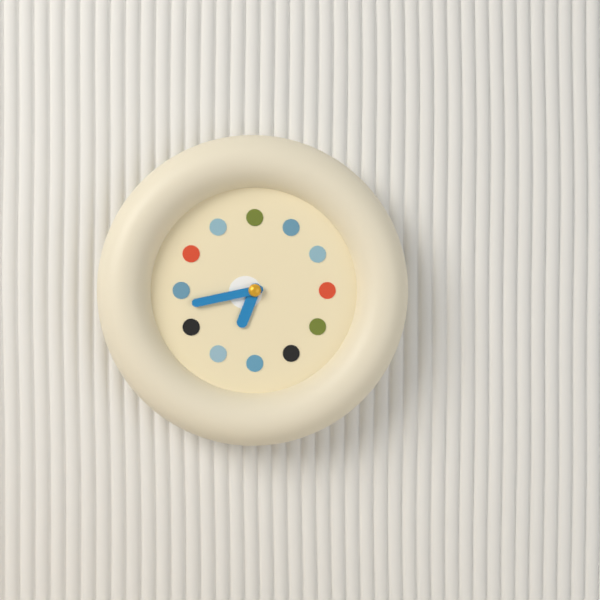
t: 6:43
